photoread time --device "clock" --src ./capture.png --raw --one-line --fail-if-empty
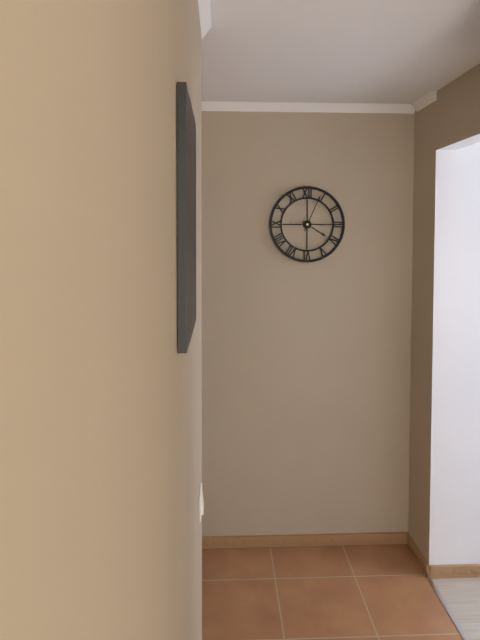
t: 4:04
